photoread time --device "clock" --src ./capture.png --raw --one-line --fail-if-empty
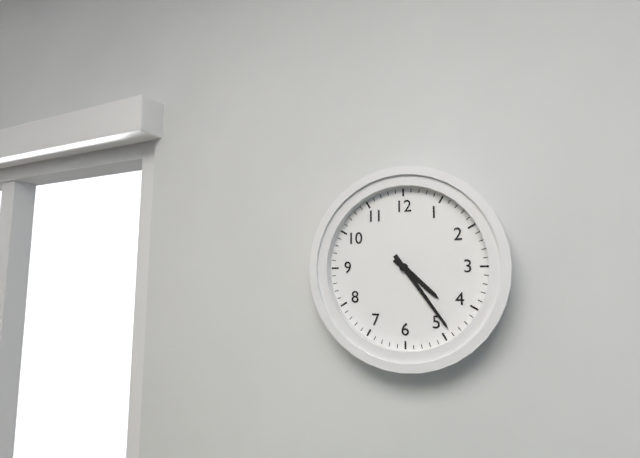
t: 4:24
